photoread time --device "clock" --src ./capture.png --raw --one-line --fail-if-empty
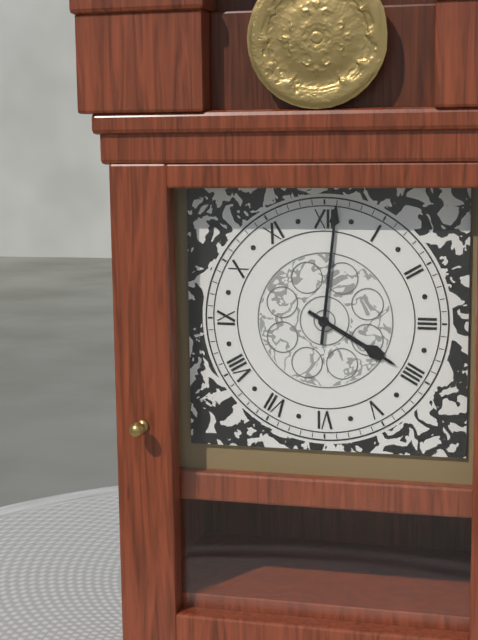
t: 4:01
